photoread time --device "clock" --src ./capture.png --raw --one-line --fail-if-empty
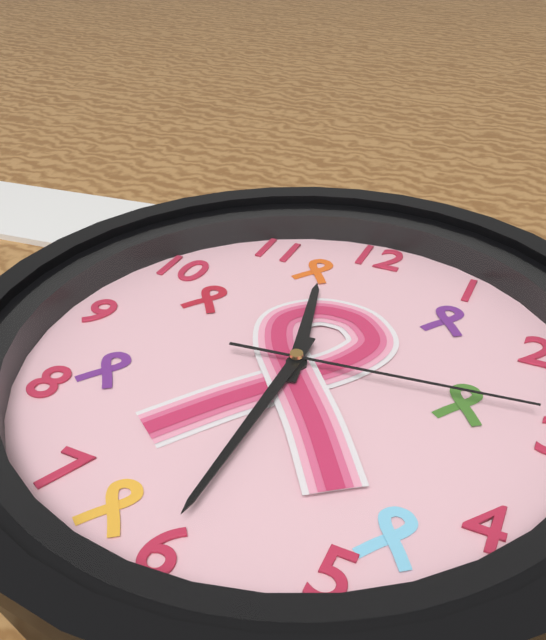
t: 11:30:14
